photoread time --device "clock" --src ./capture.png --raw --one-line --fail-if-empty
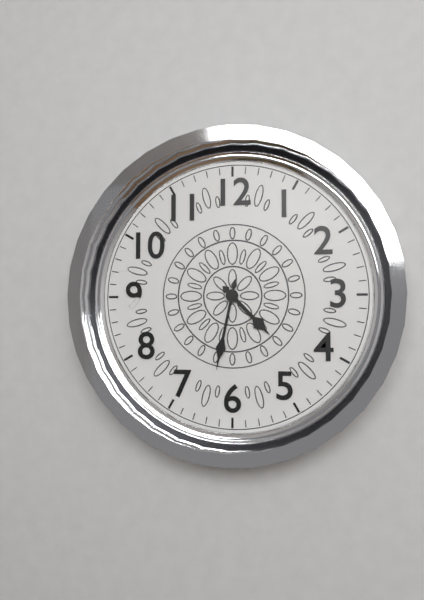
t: 4:32
